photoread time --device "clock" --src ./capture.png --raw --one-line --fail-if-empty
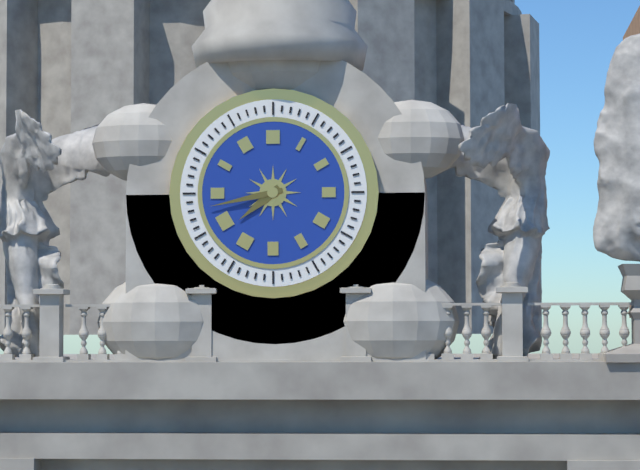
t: 7:43
